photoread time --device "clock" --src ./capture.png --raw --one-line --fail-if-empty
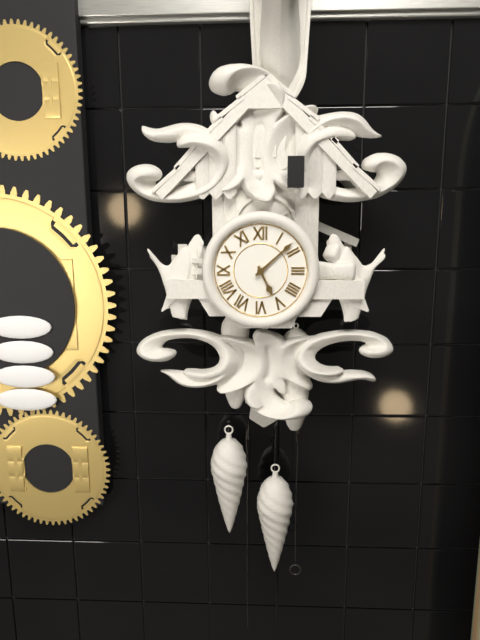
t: 5:08
